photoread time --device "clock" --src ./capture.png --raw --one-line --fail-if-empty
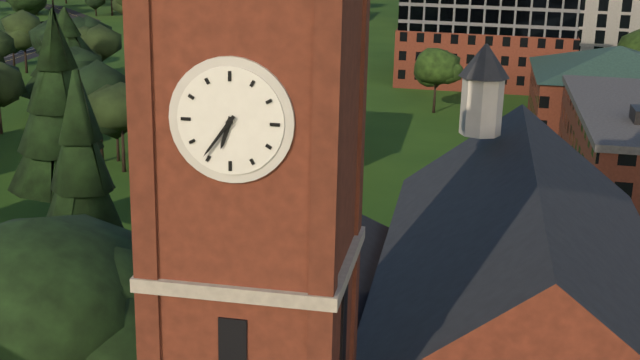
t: 6:36
